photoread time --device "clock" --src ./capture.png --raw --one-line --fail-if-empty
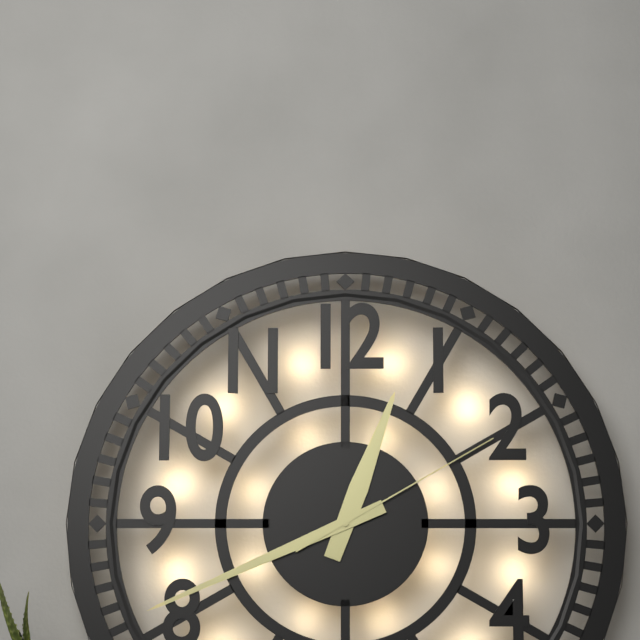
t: 12:41:10
